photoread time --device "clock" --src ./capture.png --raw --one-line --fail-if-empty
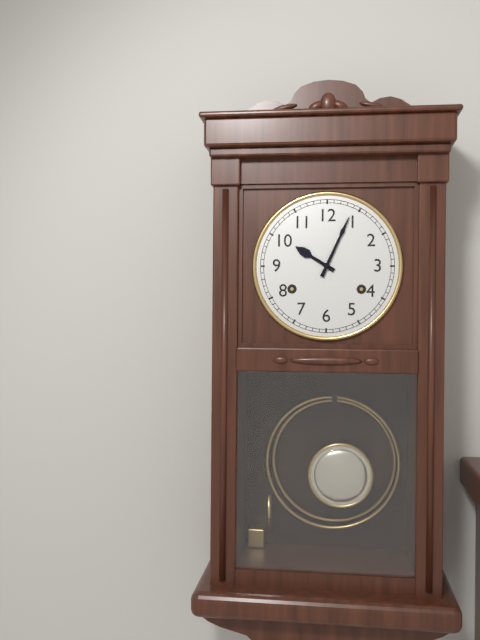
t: 10:04
